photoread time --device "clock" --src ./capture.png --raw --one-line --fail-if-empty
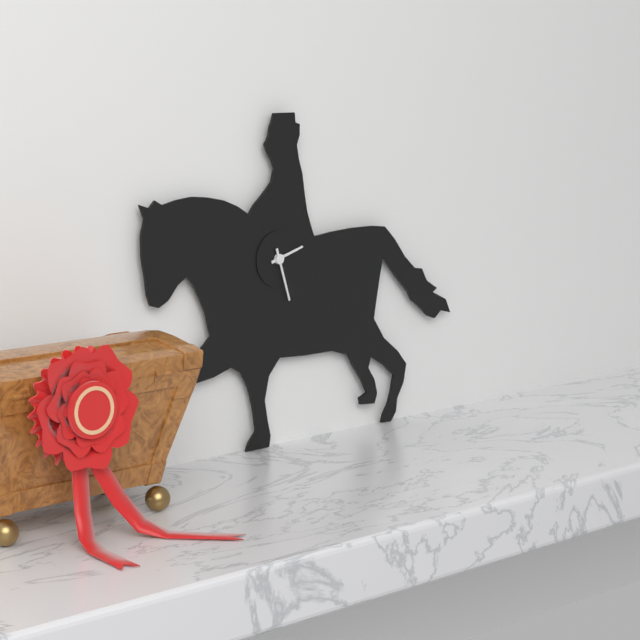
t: 2:27
